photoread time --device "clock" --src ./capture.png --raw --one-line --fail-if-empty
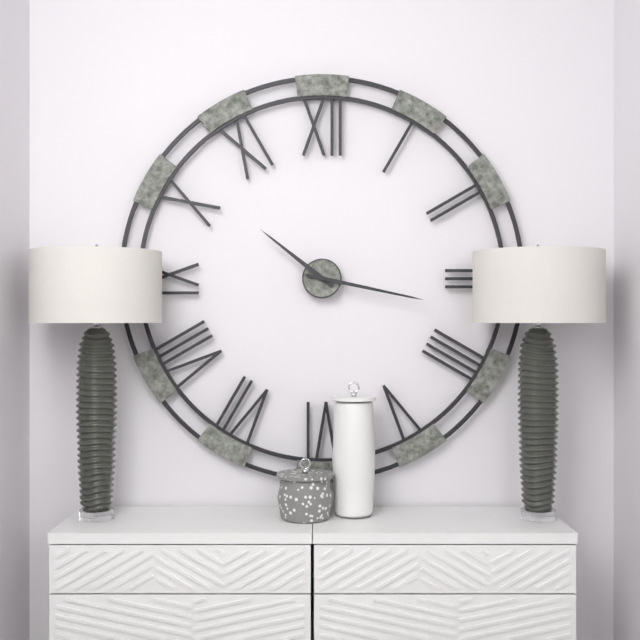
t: 10:17
